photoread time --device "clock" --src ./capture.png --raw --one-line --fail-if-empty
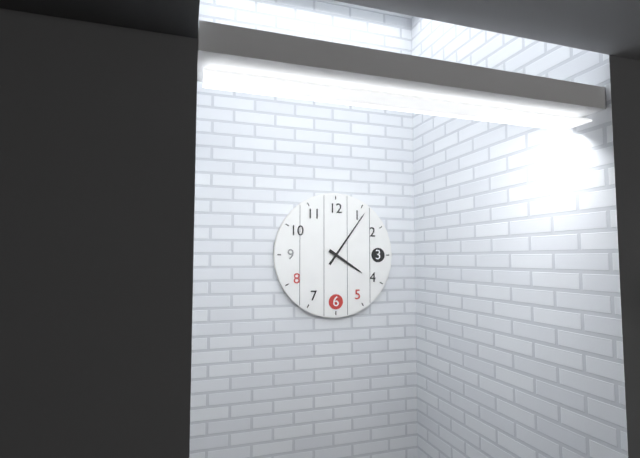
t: 4:06
